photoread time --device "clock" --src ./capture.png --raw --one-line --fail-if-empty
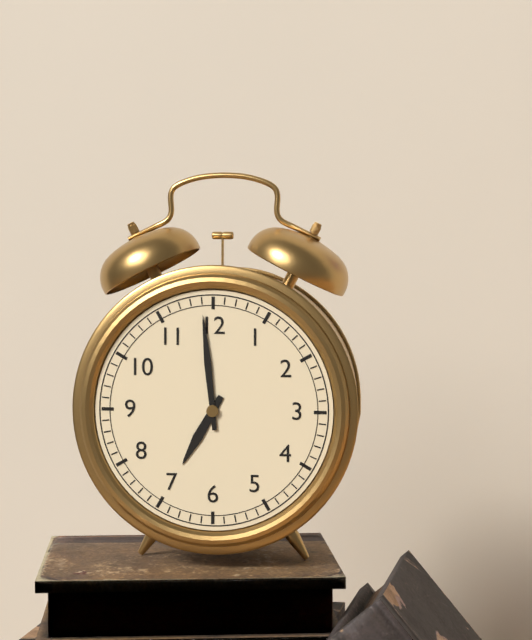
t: 6:59
